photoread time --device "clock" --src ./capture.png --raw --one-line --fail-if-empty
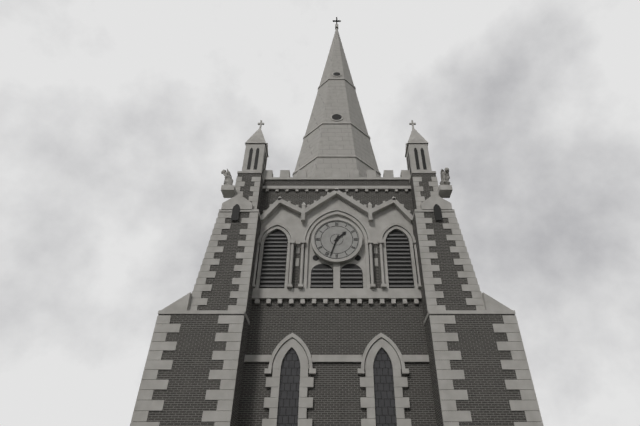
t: 1:33
